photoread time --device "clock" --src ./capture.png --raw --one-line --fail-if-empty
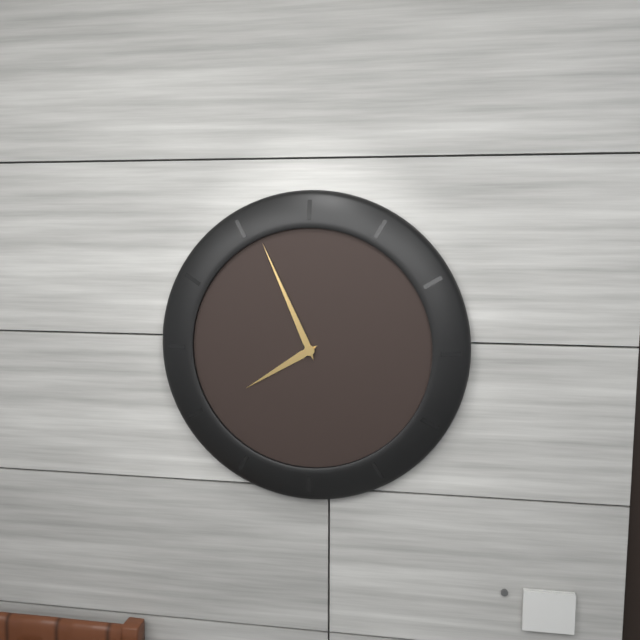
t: 7:56
